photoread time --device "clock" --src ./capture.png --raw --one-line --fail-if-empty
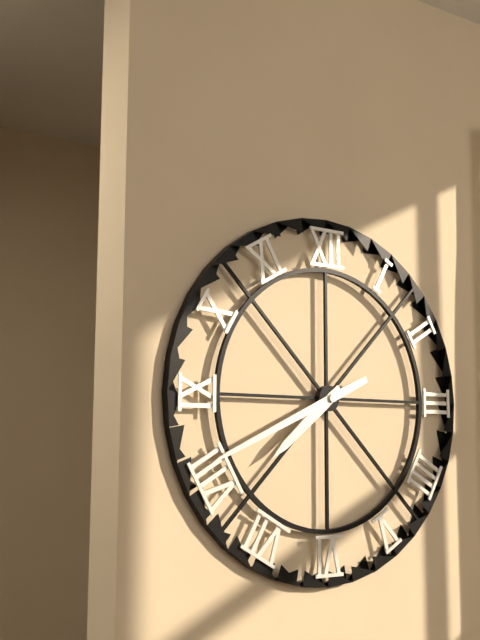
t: 7:41
